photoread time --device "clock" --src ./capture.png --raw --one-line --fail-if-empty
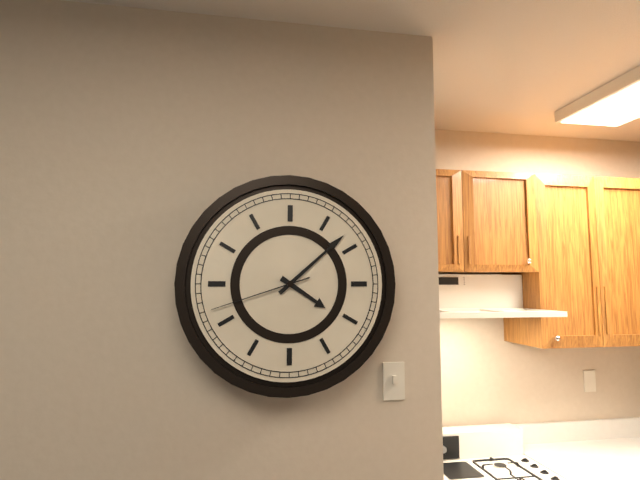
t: 4:08:42
